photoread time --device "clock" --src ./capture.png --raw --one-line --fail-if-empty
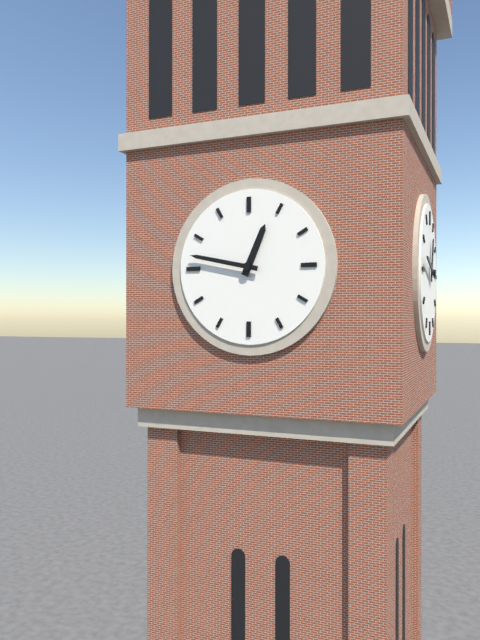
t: 12:47
